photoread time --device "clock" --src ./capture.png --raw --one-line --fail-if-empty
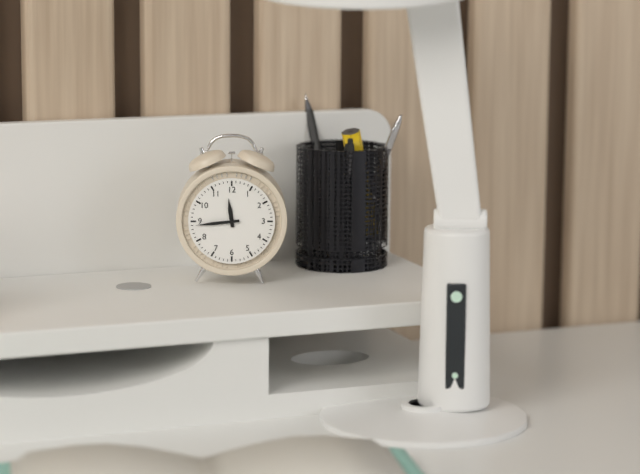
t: 11:44
